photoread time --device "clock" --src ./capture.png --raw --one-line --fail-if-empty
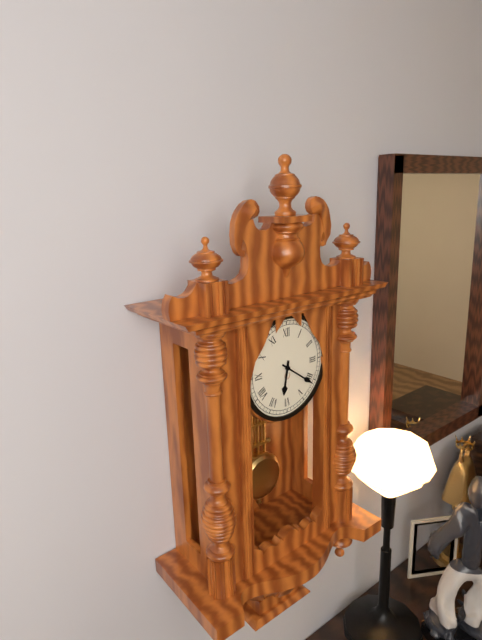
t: 6:21
